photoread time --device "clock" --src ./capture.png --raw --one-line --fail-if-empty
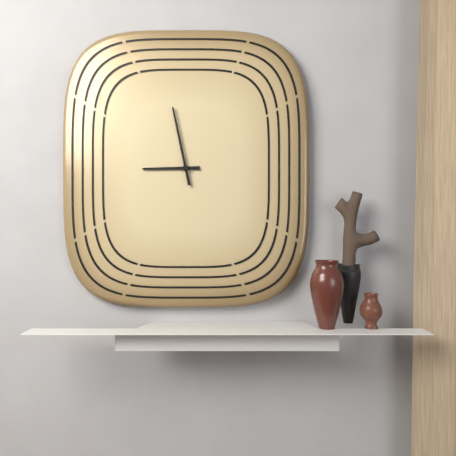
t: 8:58
